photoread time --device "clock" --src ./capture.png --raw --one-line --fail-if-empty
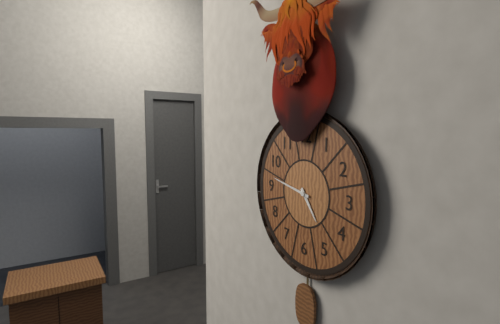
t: 4:47
